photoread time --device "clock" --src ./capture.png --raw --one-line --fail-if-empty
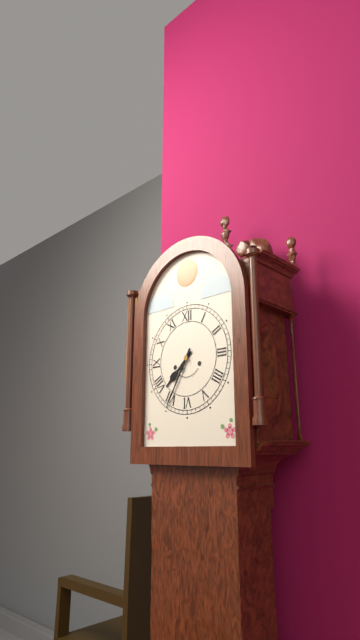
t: 7:35
